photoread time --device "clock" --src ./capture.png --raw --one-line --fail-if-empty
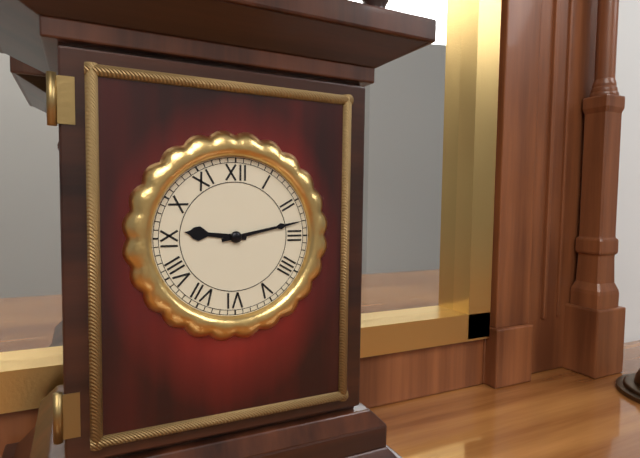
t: 9:13
